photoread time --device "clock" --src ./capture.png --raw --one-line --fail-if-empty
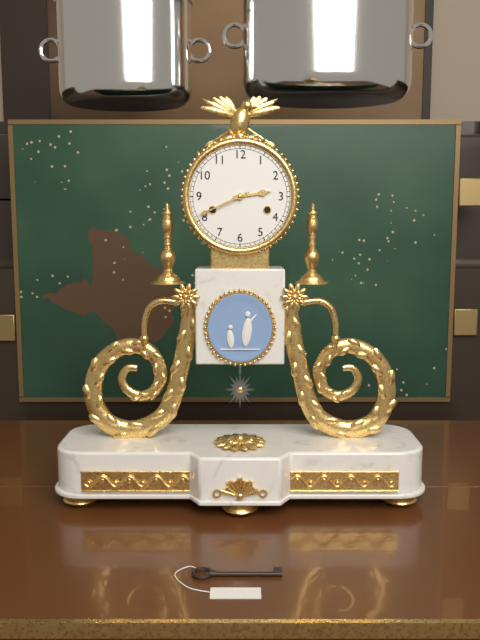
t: 2:41
